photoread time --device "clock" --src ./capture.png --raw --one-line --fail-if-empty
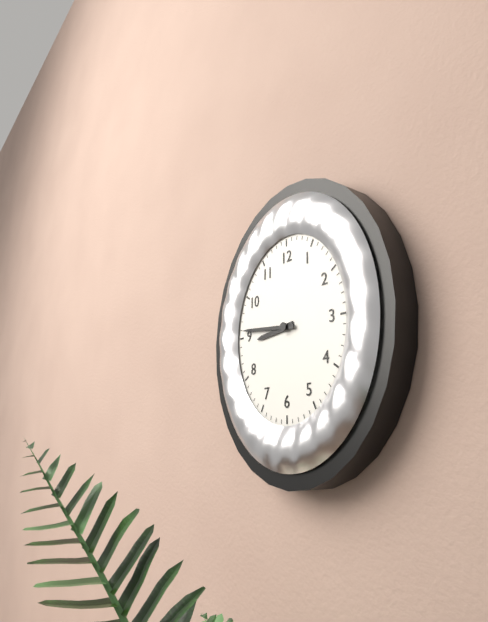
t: 8:46
